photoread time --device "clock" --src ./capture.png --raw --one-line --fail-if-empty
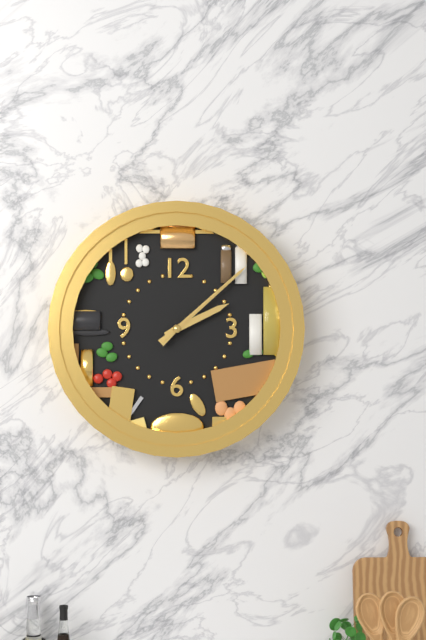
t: 2:08:08
